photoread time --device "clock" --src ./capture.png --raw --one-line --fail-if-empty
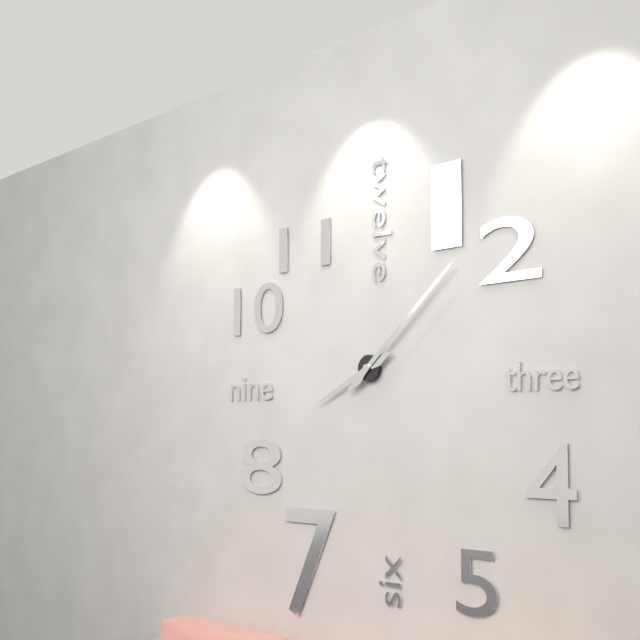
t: 8:08
